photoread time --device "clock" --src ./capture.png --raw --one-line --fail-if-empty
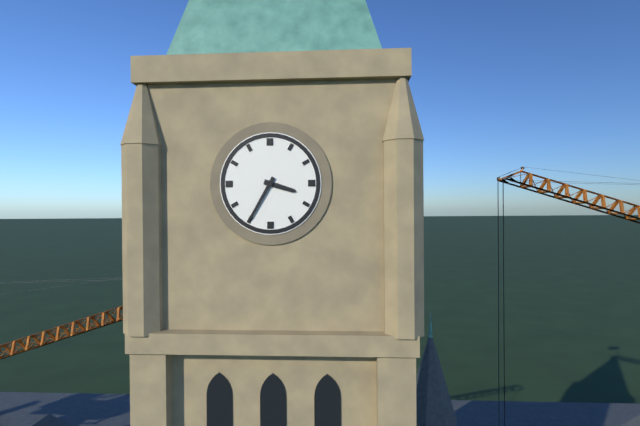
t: 3:35
